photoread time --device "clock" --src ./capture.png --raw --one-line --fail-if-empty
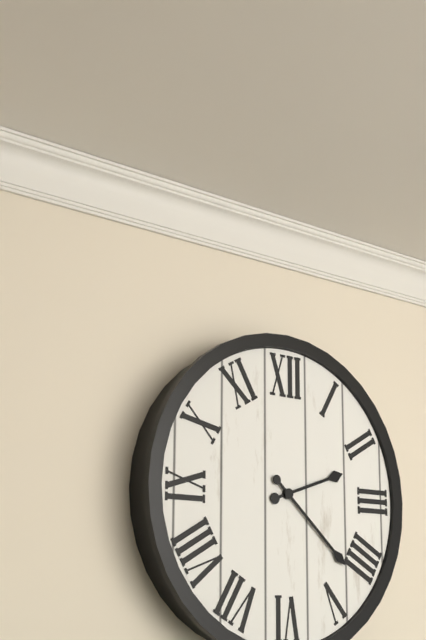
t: 2:22
